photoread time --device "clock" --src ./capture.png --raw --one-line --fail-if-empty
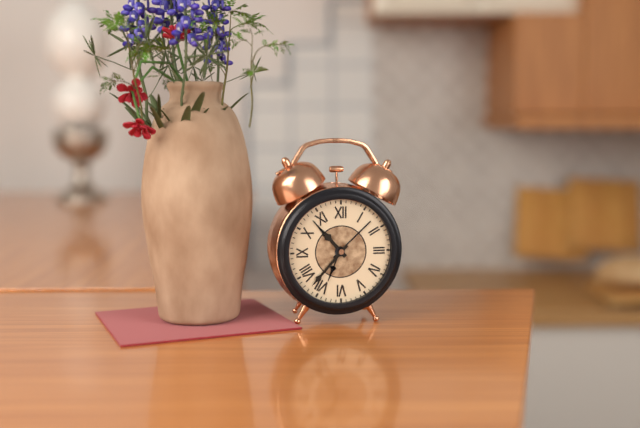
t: 10:37
